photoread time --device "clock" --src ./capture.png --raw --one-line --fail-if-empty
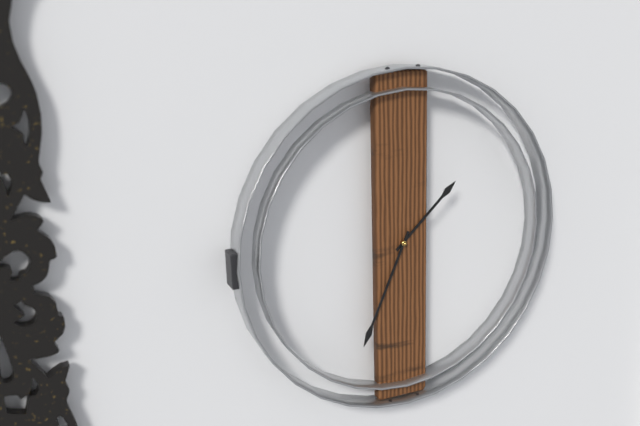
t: 1:34
